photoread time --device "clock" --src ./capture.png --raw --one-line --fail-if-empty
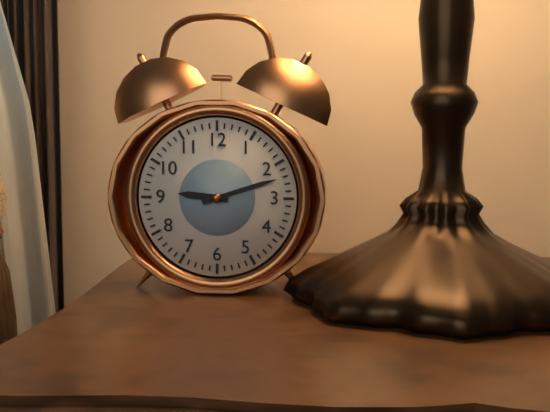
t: 9:12
